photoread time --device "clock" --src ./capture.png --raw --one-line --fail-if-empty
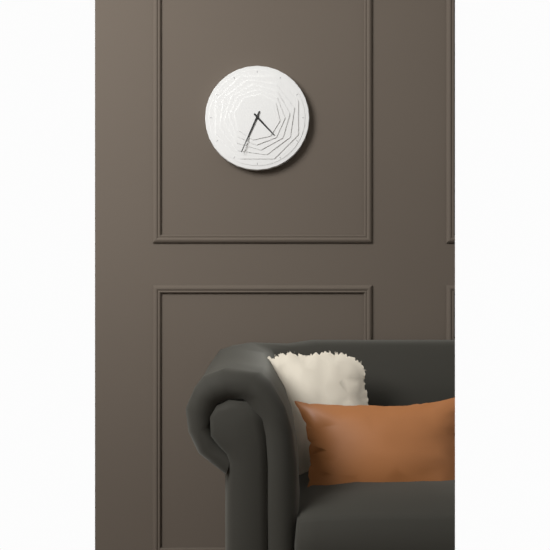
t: 4:34
